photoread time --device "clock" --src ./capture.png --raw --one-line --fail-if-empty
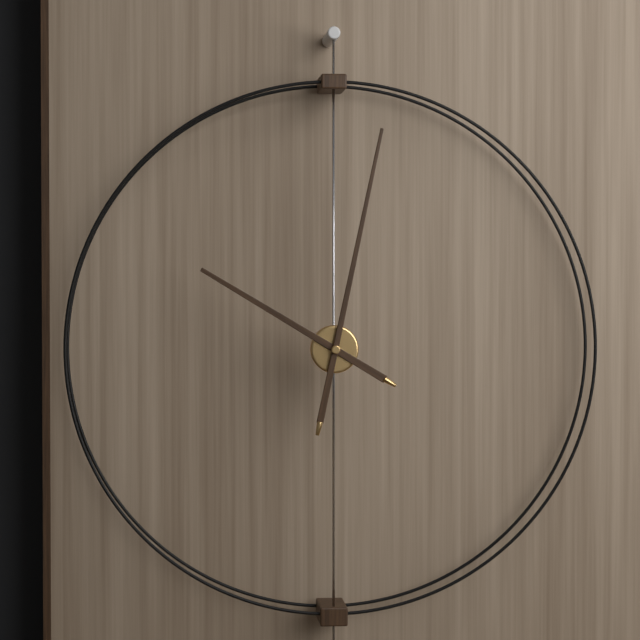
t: 10:02
